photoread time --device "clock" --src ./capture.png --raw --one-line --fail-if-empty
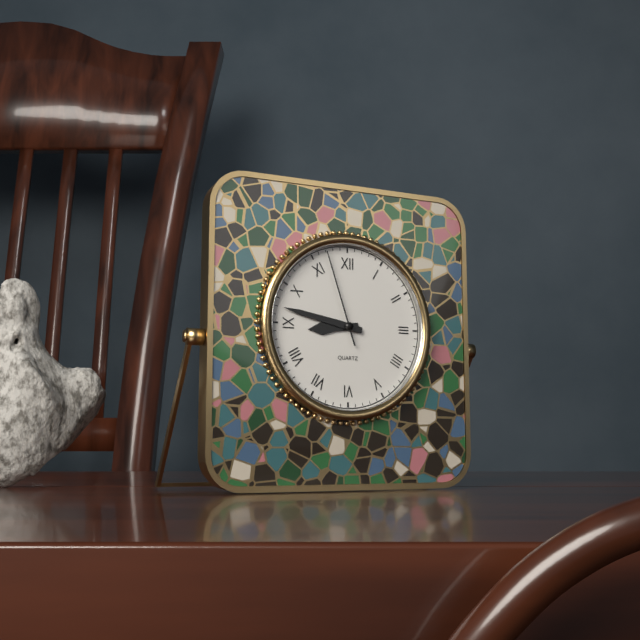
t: 8:47:57
